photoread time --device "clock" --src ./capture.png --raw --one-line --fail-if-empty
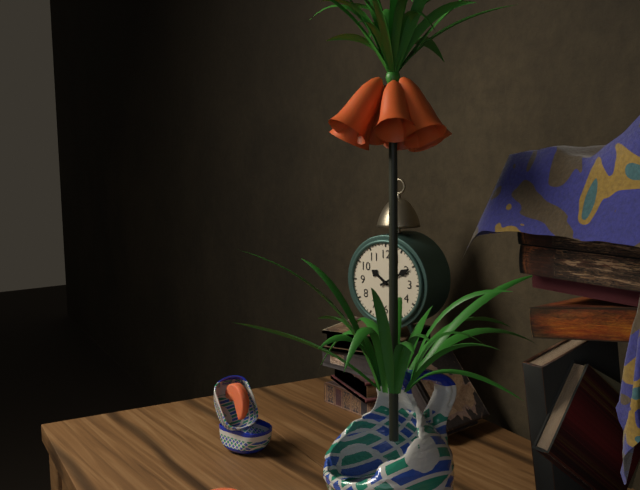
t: 10:10
